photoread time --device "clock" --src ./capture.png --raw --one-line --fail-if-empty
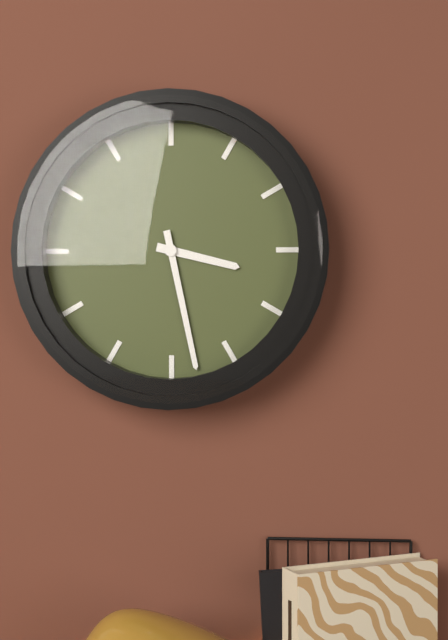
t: 3:28
